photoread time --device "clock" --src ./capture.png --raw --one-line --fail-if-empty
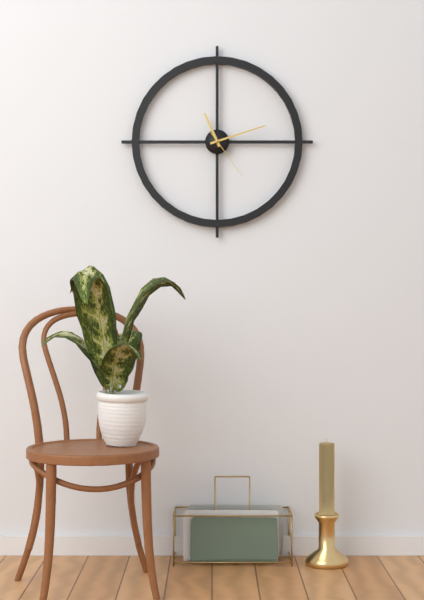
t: 11:12:24
